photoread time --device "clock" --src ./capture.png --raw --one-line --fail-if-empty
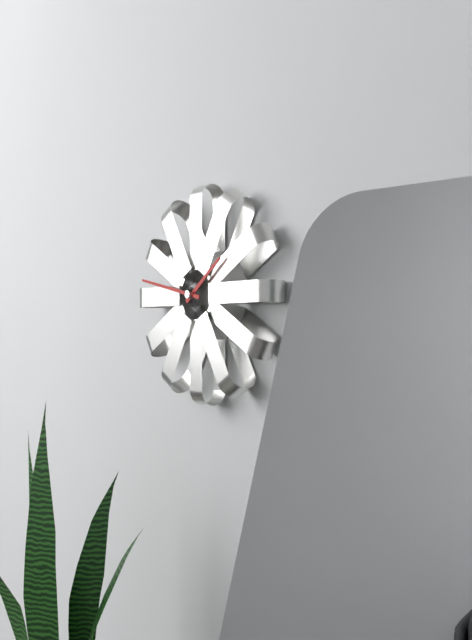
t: 1:47
